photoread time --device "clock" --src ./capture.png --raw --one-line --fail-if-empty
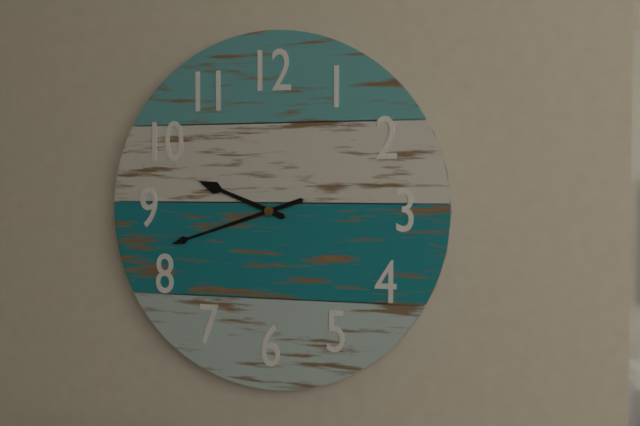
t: 9:42
